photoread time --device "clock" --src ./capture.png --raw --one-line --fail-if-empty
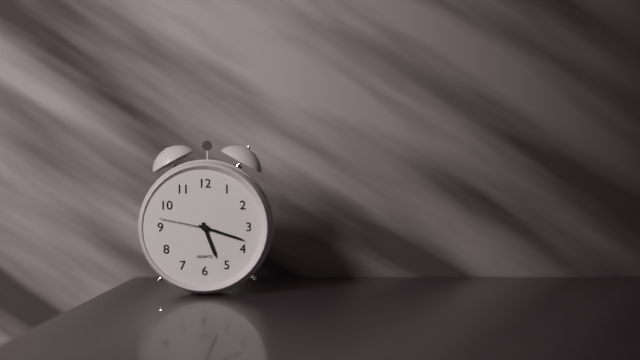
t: 5:18:47
